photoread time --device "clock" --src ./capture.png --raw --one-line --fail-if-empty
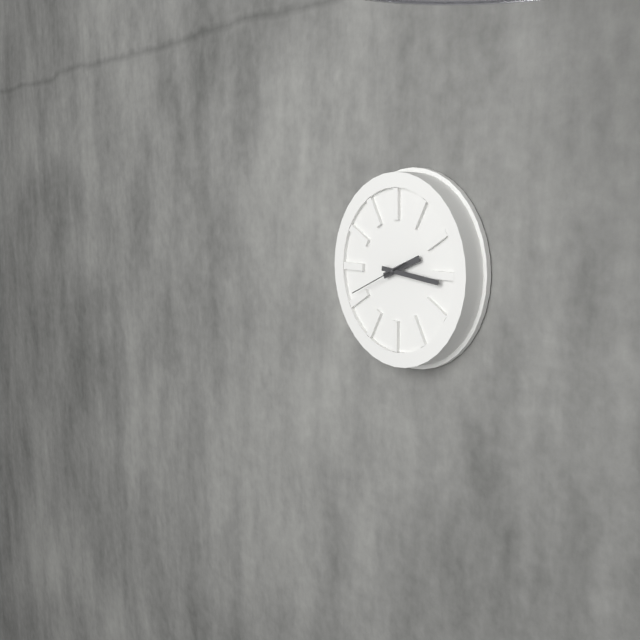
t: 2:16:41
